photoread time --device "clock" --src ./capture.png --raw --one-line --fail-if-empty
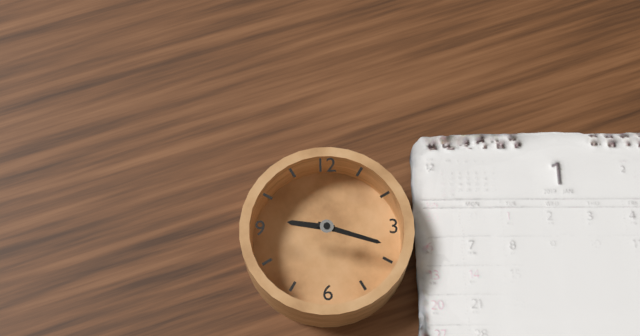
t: 9:18
